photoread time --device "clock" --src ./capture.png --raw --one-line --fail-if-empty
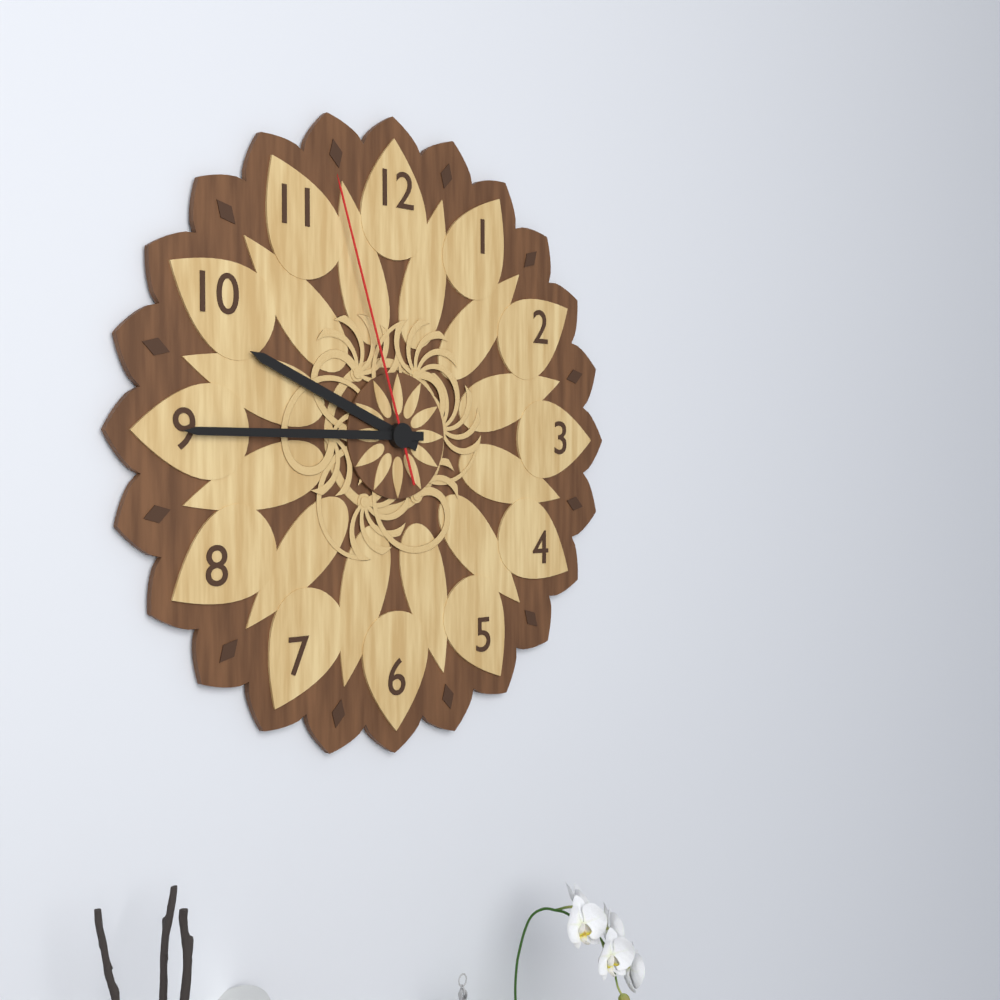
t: 9:45:57
